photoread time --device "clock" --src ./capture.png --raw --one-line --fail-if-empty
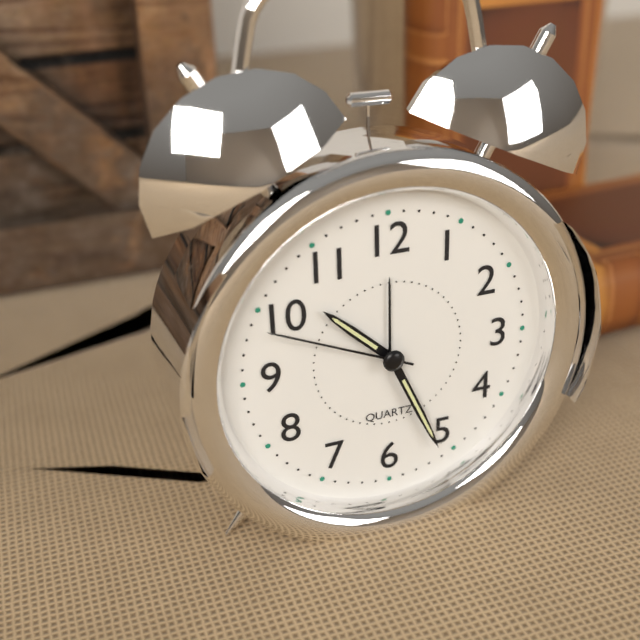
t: 10:26:49
